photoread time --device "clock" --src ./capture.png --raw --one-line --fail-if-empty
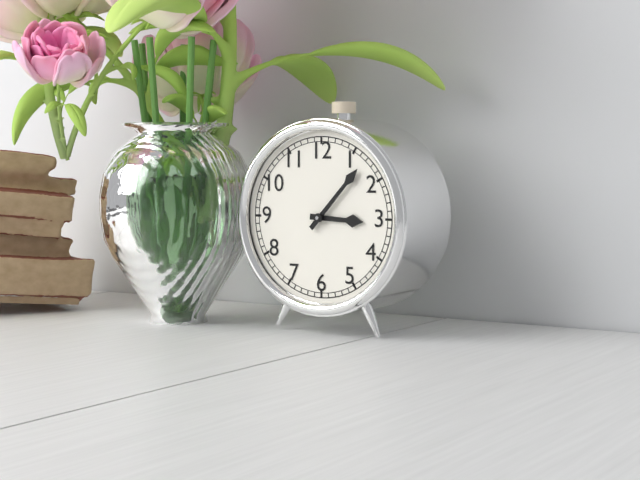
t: 3:07
